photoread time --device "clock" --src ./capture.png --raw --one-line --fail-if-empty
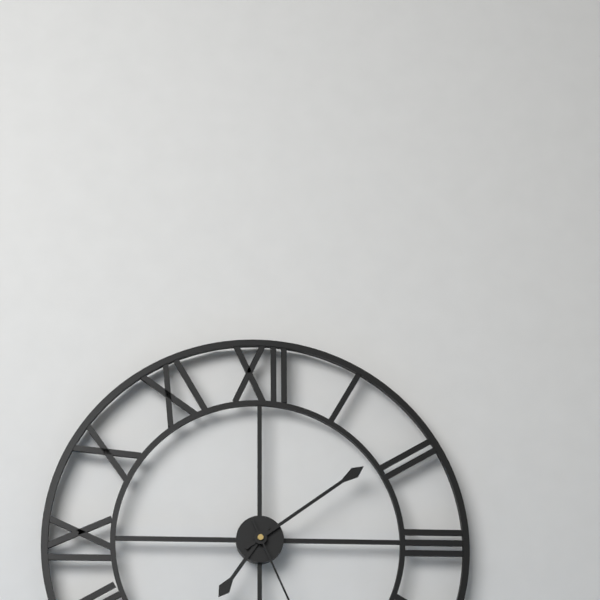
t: 7:09
